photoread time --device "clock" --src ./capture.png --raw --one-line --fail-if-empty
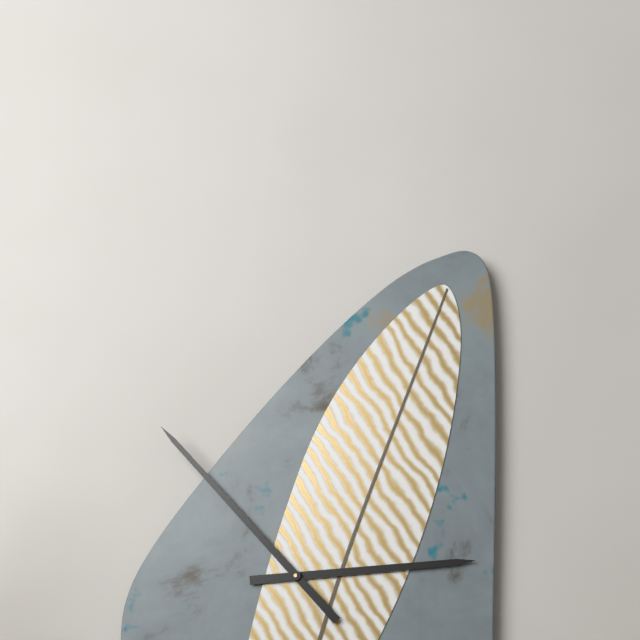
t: 2:53
